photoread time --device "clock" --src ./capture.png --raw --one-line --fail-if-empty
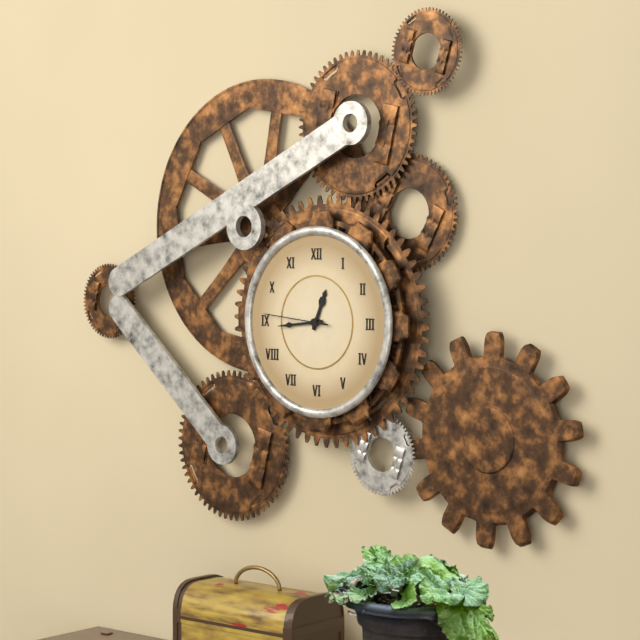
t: 12:44:46
